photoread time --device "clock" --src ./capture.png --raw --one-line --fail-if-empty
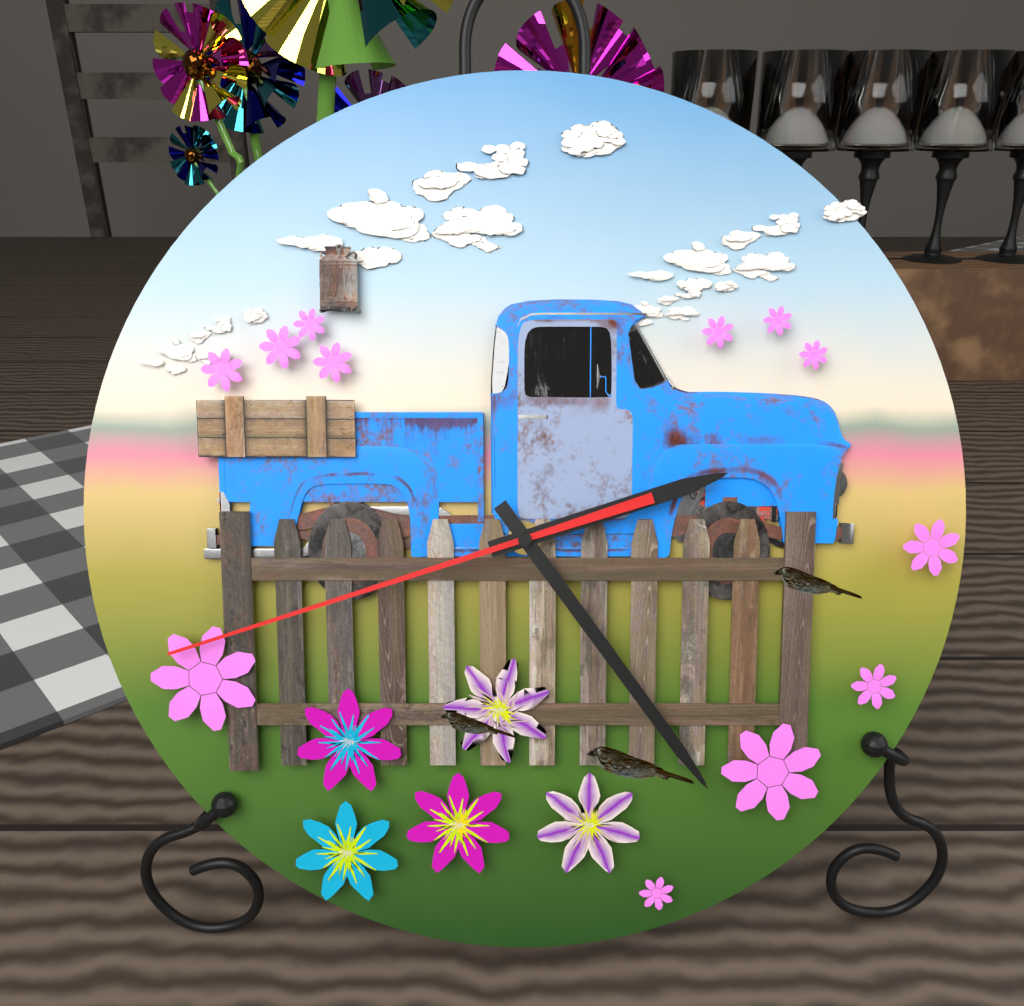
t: 2:24:42
